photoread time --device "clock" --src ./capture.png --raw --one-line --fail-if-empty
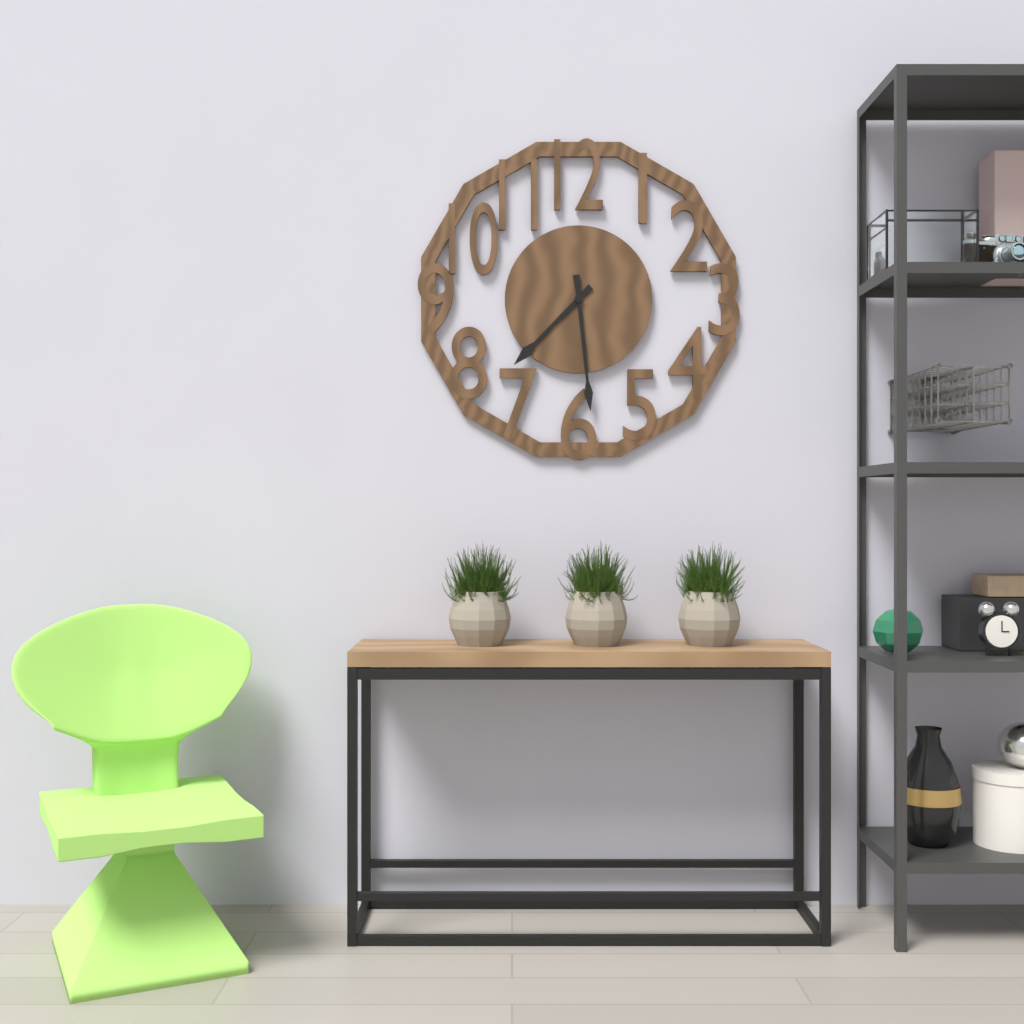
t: 7:29
